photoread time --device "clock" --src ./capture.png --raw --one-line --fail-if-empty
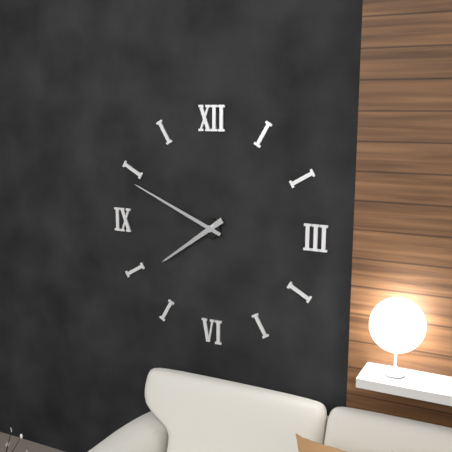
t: 7:49
